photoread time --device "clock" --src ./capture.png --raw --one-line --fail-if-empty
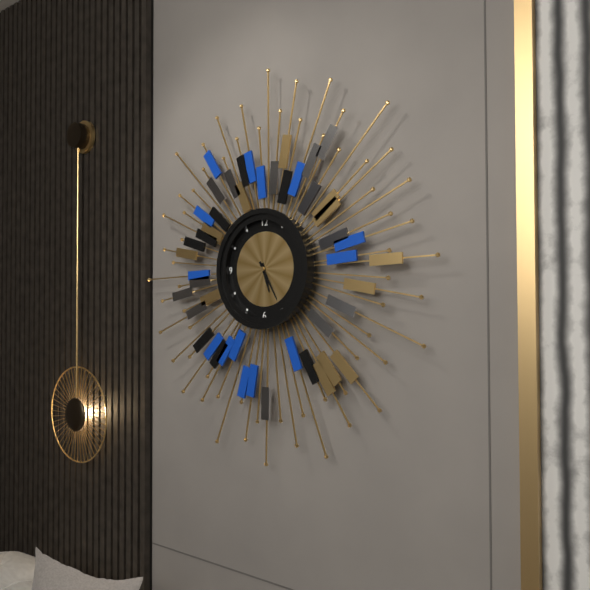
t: 5:25
